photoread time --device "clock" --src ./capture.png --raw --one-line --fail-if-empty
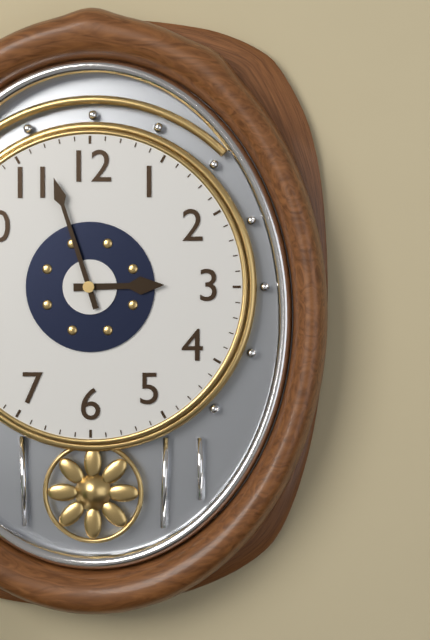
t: 2:57
